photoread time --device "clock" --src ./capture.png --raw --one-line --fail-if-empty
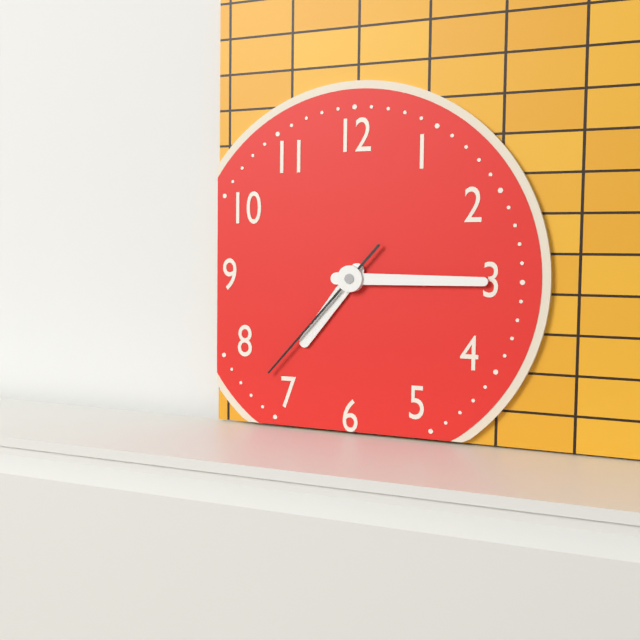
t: 7:15:37
